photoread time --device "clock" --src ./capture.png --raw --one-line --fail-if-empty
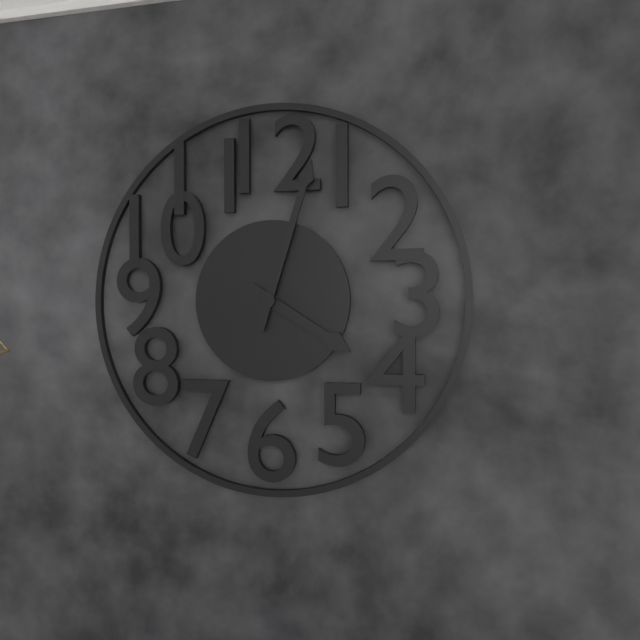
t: 4:03
